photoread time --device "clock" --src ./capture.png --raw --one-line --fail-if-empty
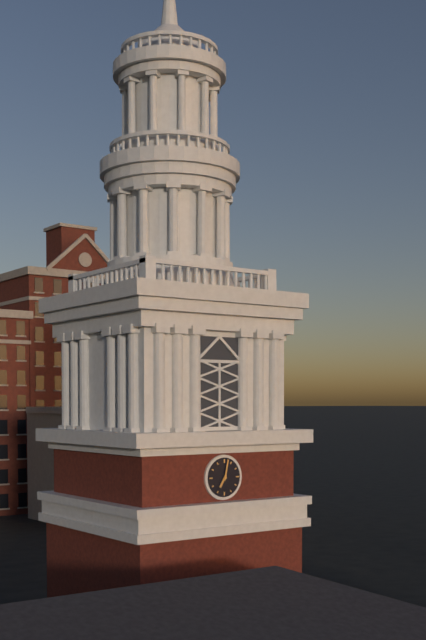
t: 7:02
